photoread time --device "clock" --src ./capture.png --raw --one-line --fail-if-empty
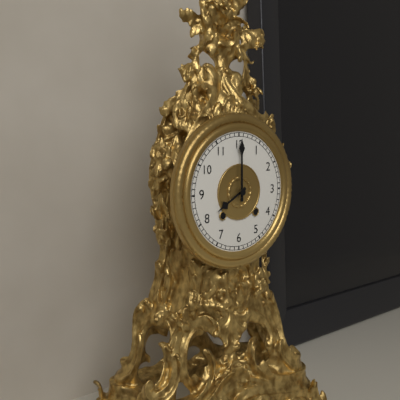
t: 8:00
